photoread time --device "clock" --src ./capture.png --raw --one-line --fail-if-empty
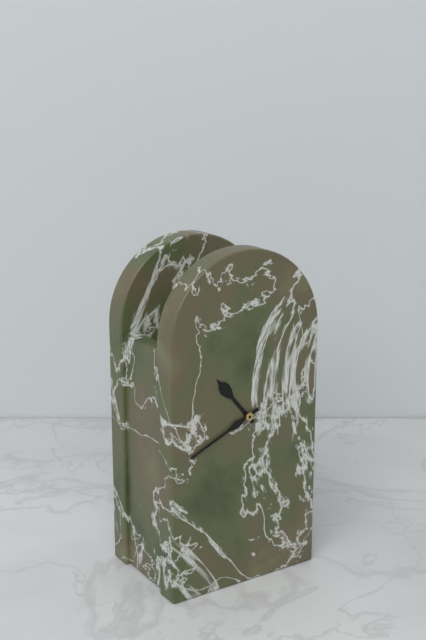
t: 10:41
